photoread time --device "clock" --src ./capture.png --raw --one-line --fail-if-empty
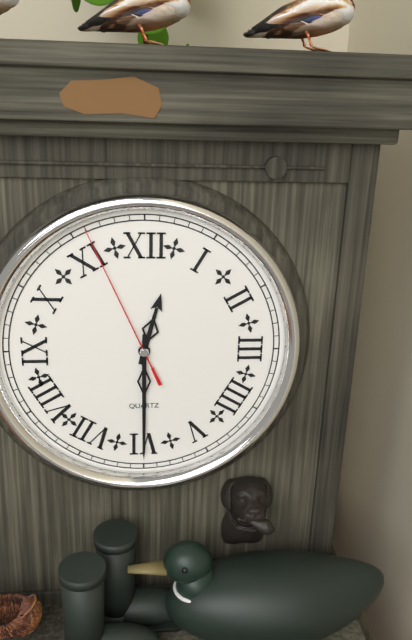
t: 12:30:56
